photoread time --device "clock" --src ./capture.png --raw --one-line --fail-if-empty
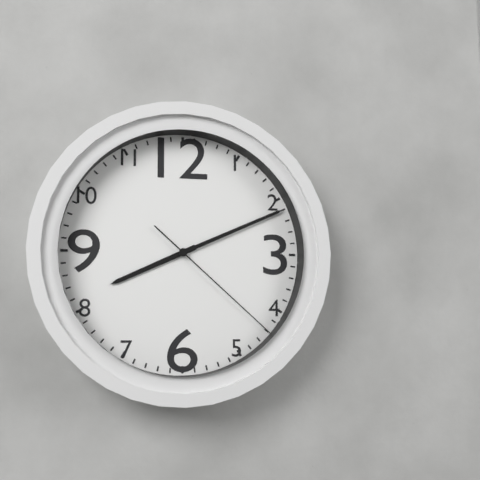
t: 8:11:22
